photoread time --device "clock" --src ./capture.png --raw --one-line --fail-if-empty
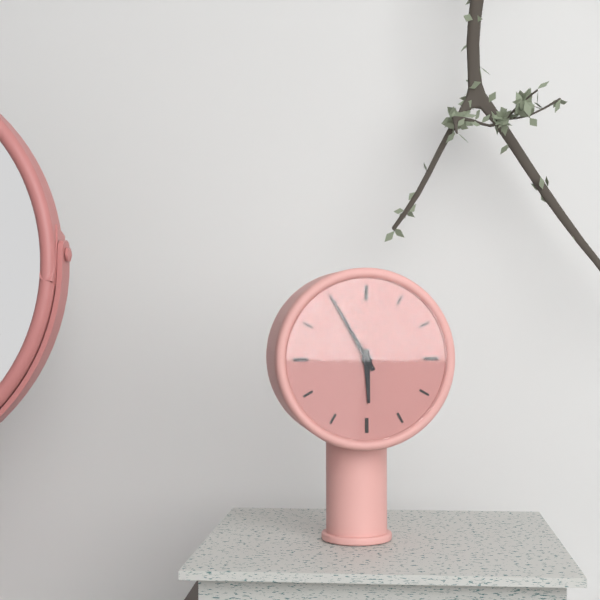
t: 5:55
